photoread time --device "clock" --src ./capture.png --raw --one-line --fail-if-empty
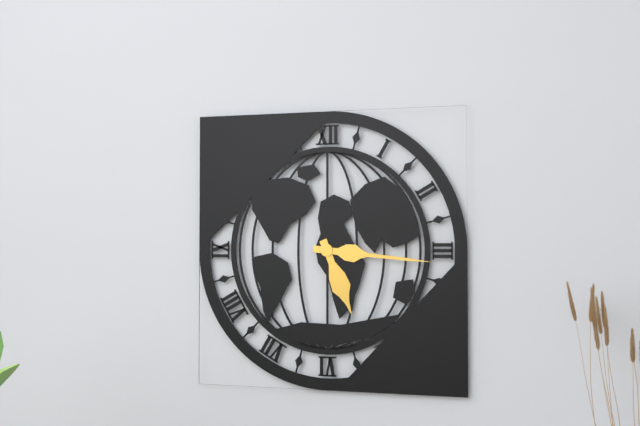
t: 5:16
